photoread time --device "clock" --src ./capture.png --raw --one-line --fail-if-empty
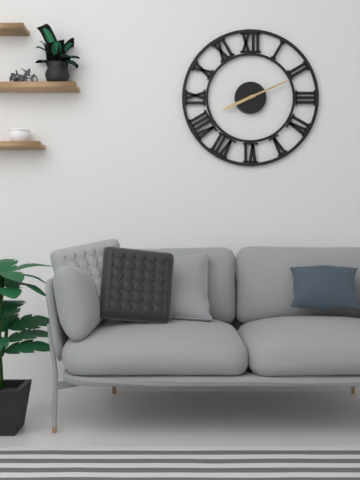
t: 8:11
